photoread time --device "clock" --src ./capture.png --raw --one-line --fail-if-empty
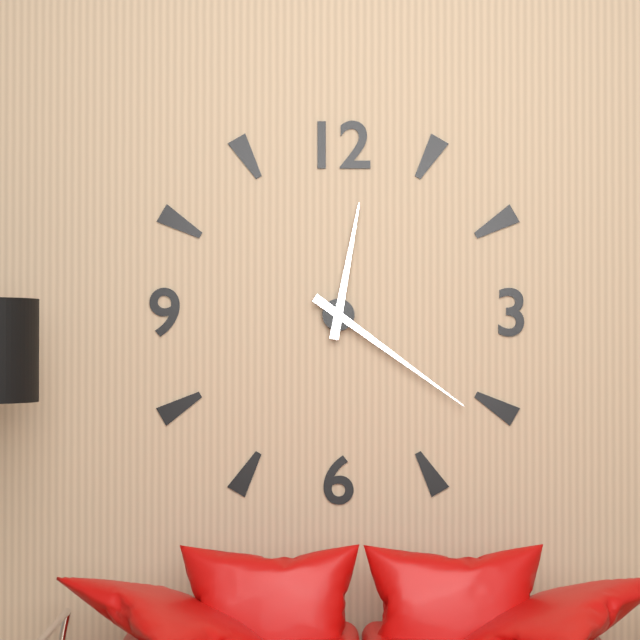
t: 12:21
